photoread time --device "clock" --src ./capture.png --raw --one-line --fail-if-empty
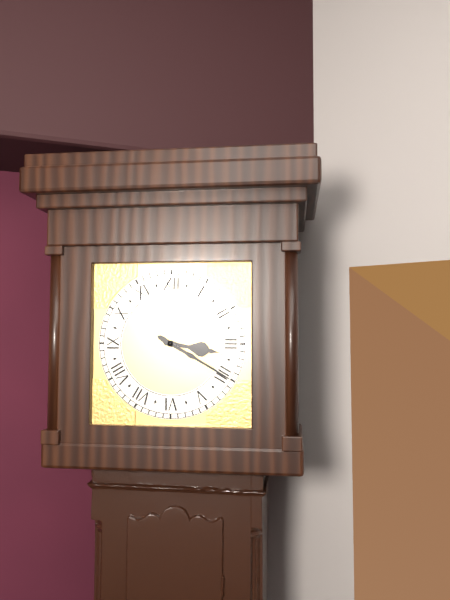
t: 3:20
